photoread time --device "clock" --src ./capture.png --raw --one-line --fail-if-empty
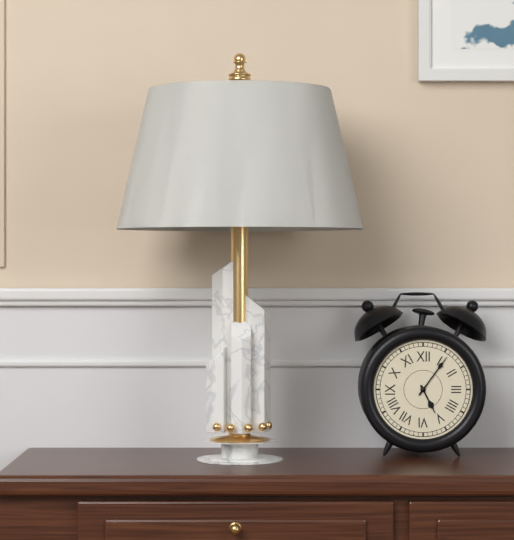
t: 5:06
